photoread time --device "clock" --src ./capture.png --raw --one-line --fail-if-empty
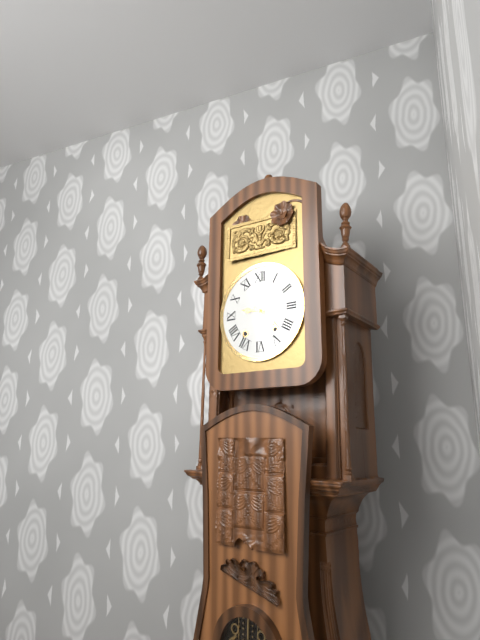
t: 9:22
